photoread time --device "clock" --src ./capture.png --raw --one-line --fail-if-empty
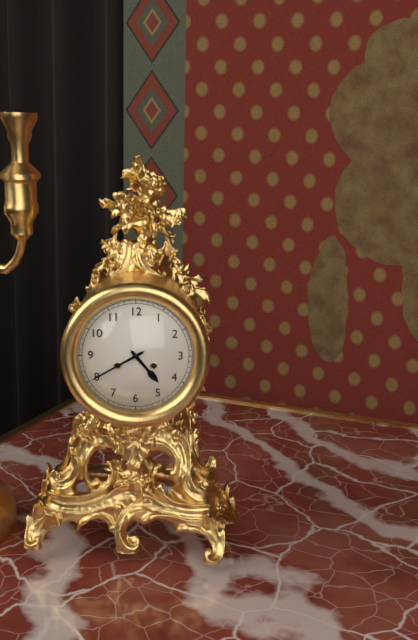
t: 4:40
